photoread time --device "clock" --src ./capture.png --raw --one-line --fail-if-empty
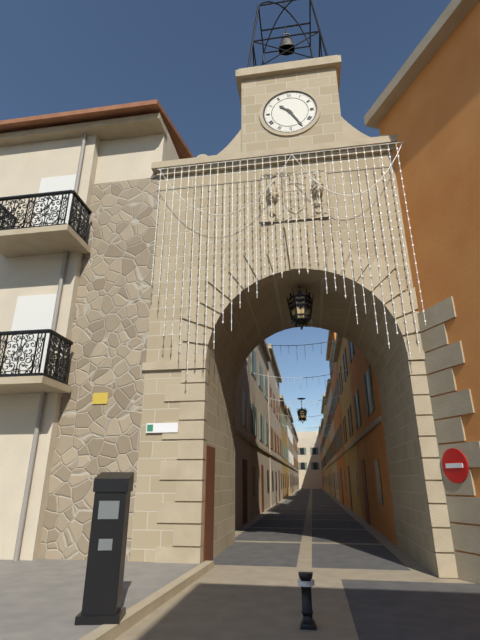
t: 10:25
